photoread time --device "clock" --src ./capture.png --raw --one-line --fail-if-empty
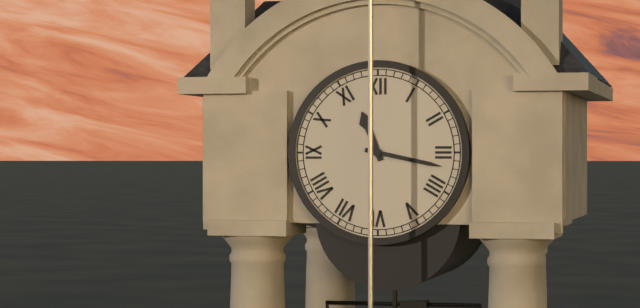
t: 11:17
